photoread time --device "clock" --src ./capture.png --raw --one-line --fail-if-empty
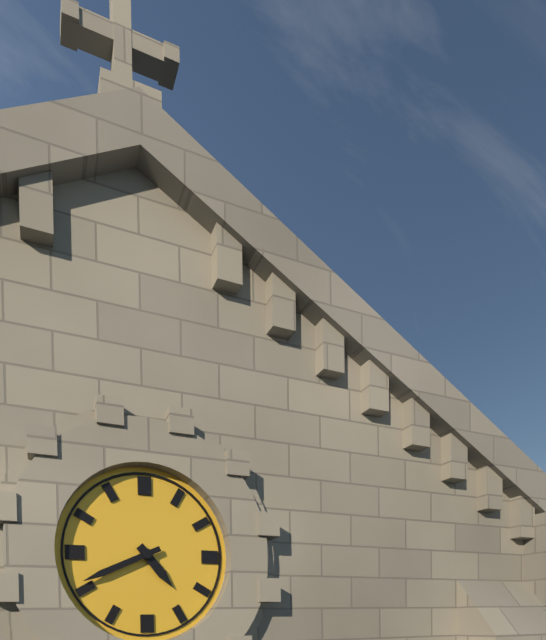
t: 4:41
